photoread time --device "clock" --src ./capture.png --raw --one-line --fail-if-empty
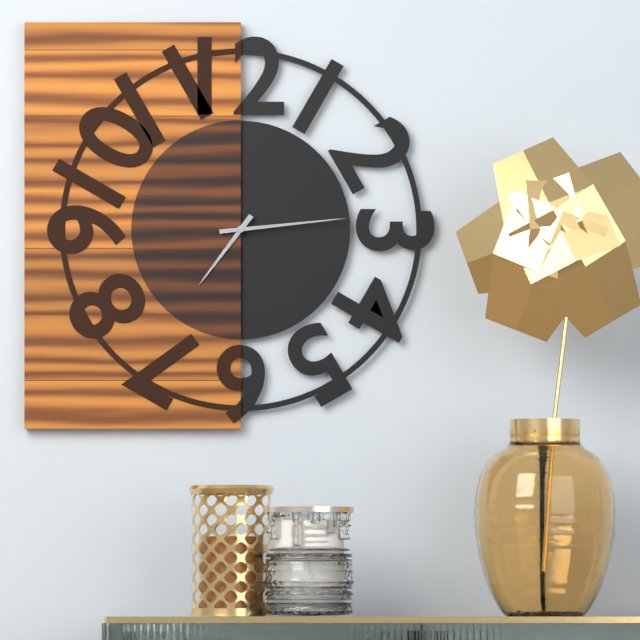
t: 7:14
